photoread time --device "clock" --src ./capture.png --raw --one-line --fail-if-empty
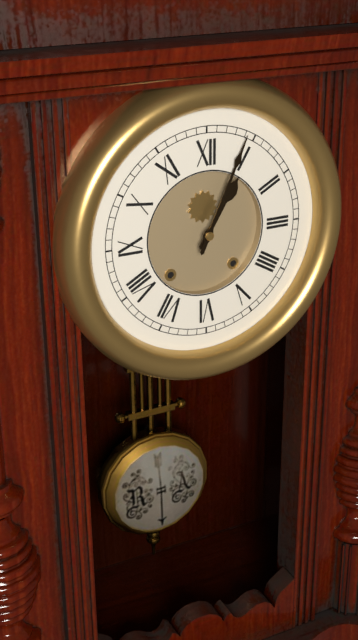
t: 1:04
